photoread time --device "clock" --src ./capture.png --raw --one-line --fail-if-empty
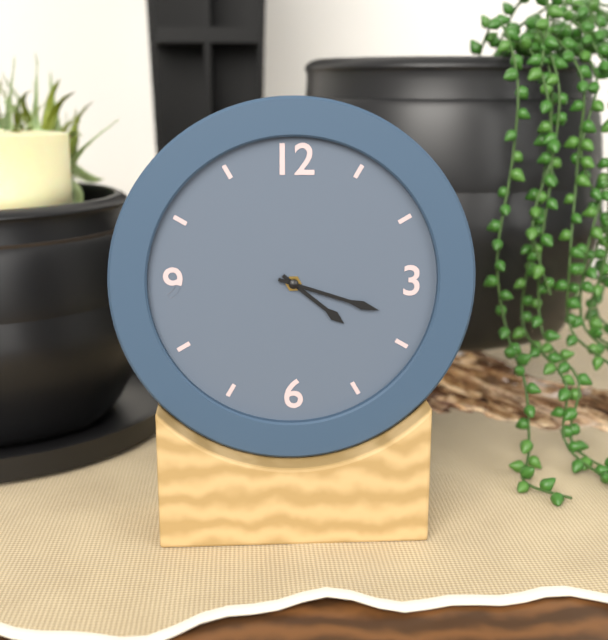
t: 4:18
